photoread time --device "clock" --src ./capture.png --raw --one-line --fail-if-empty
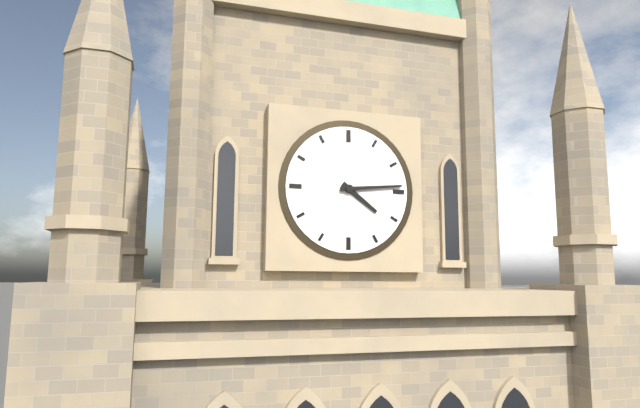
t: 4:14
